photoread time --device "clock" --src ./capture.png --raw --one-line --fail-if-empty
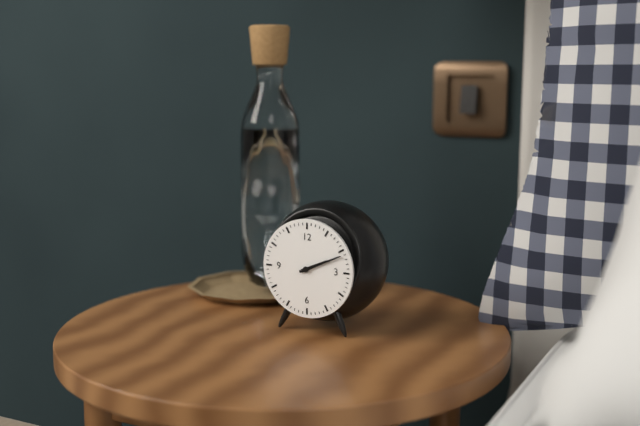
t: 2:11
